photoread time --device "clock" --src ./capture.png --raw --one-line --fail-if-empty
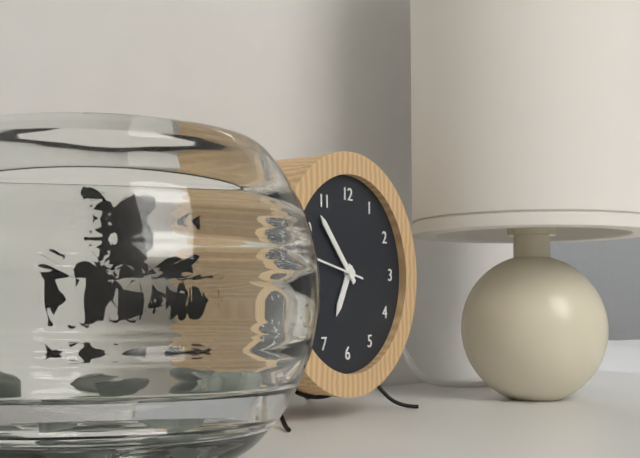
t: 6:53:47
